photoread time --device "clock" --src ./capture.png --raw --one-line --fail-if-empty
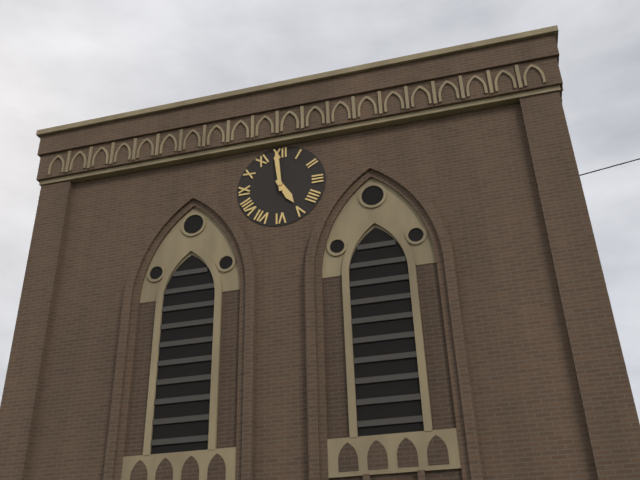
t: 4:59
